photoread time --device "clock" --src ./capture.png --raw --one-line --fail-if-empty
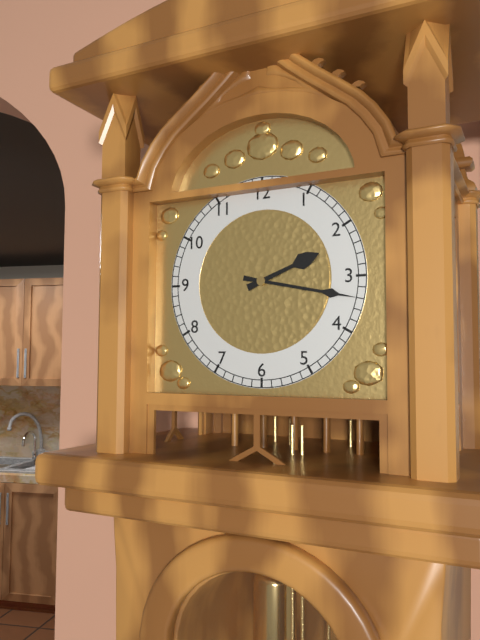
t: 2:17
